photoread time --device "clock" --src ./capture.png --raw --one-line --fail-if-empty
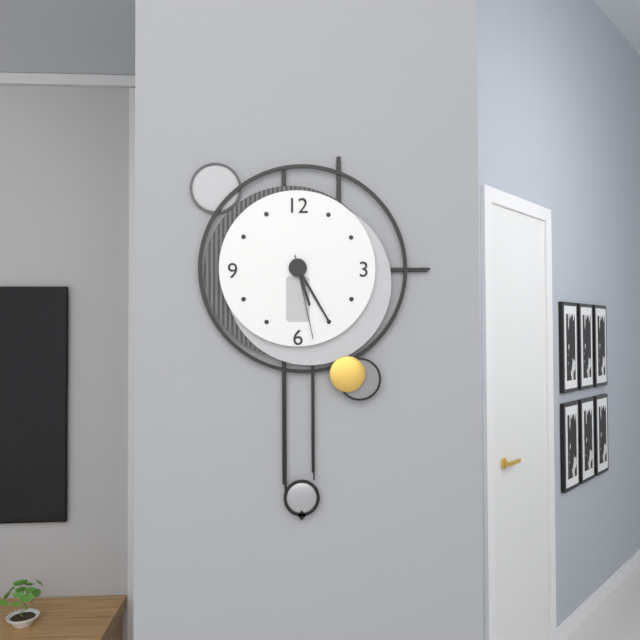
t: 5:25:28
